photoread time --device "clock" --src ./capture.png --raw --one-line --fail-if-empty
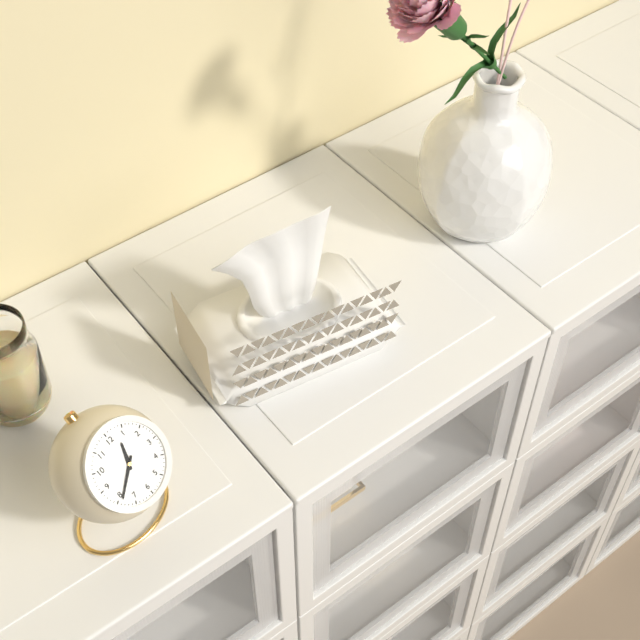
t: 12:39
